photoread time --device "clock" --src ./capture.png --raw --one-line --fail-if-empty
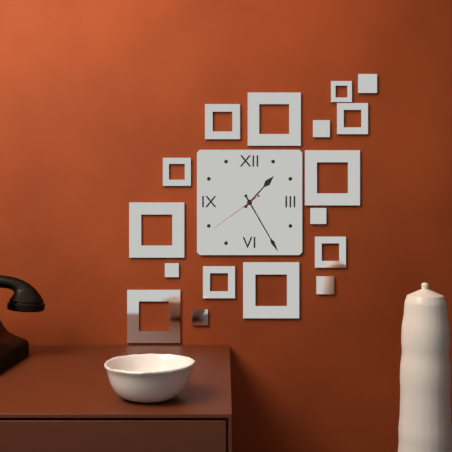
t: 1:25:39
